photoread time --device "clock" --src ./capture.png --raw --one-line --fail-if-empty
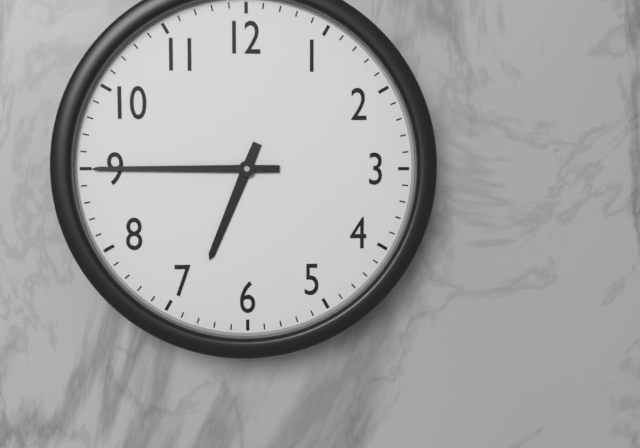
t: 6:45
